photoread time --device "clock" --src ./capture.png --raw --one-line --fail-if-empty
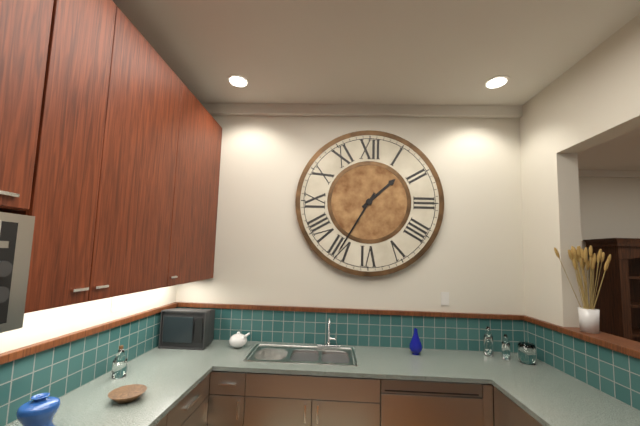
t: 1:35
